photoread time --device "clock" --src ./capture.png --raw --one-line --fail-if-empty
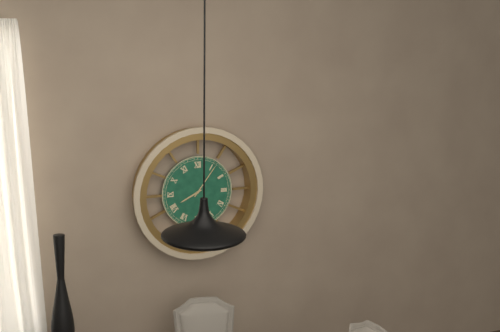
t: 8:06
